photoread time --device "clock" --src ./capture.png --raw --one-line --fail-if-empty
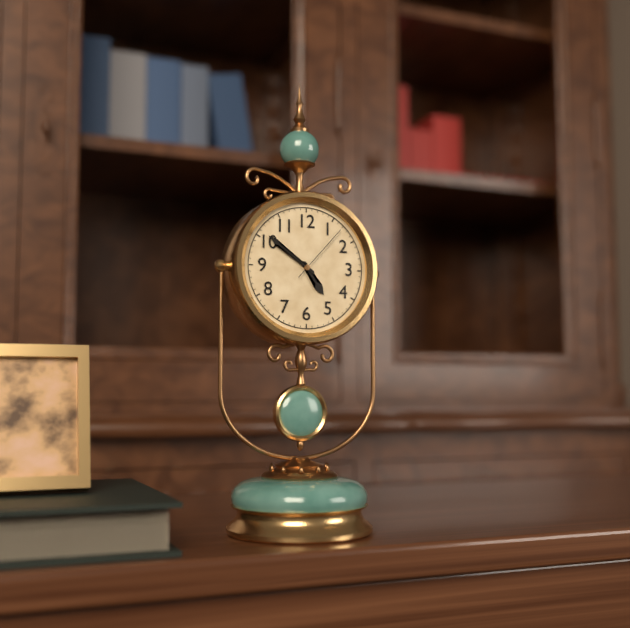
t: 4:51:07
